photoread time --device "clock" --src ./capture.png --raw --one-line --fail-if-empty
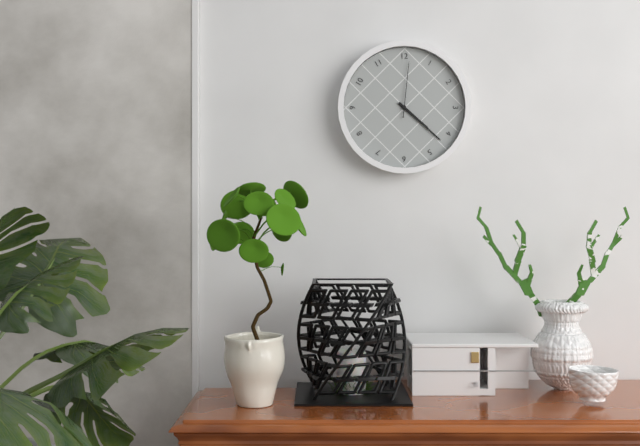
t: 4:22:01
